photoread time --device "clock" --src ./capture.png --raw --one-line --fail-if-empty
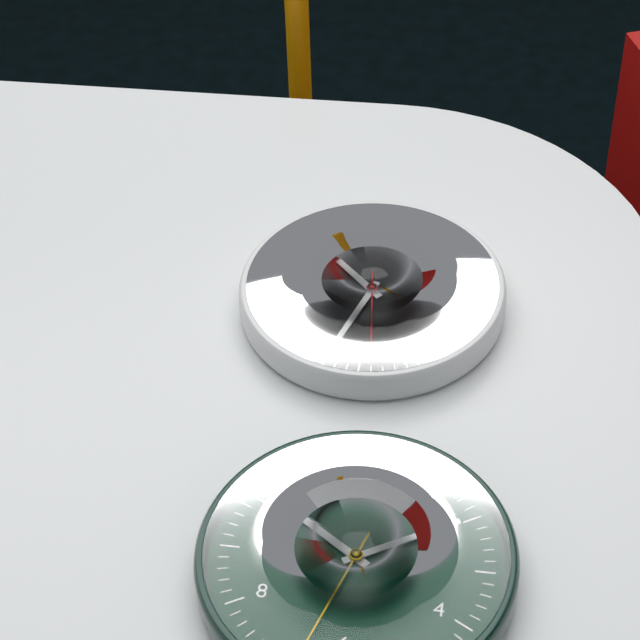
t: 10:33:29
